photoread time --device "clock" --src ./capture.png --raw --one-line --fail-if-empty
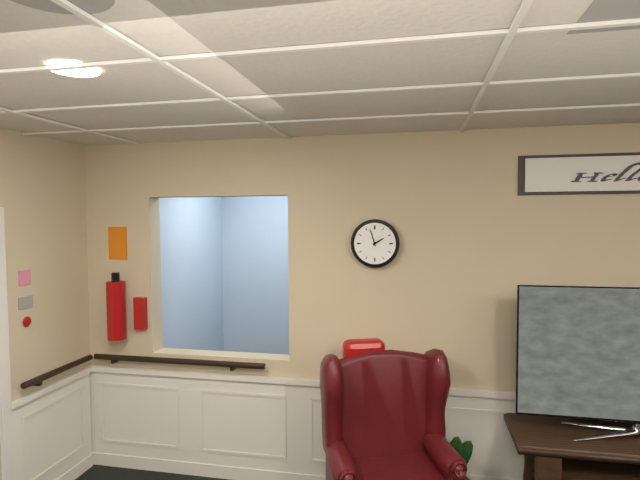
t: 1:57
